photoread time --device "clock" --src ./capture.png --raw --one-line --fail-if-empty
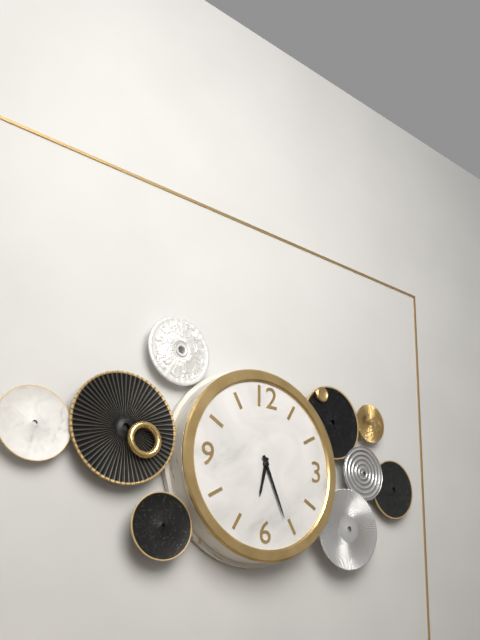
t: 6:26
